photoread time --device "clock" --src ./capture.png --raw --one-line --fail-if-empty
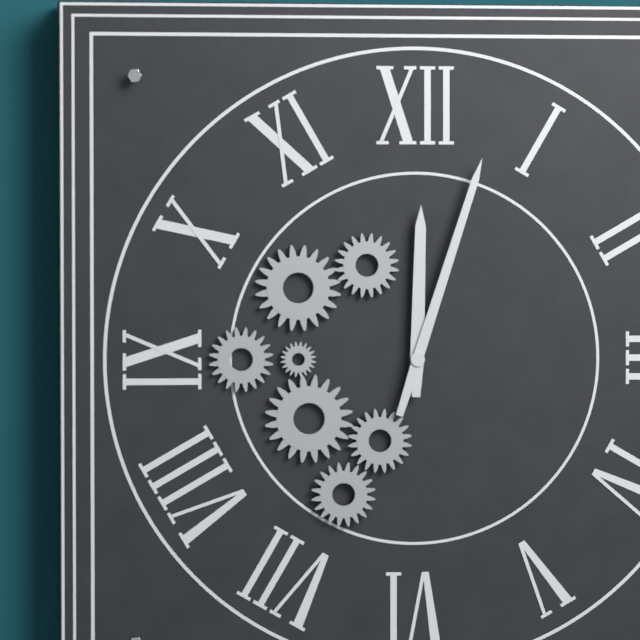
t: 12:03
